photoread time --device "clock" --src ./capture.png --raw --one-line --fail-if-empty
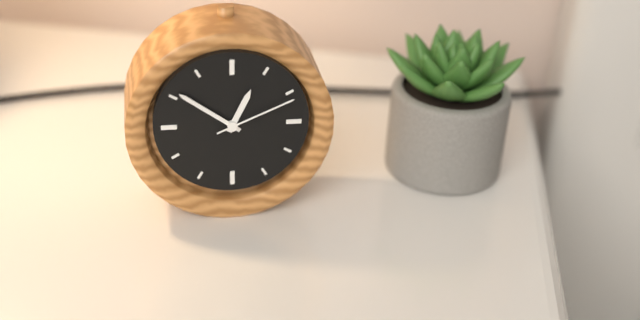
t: 12:51:11
